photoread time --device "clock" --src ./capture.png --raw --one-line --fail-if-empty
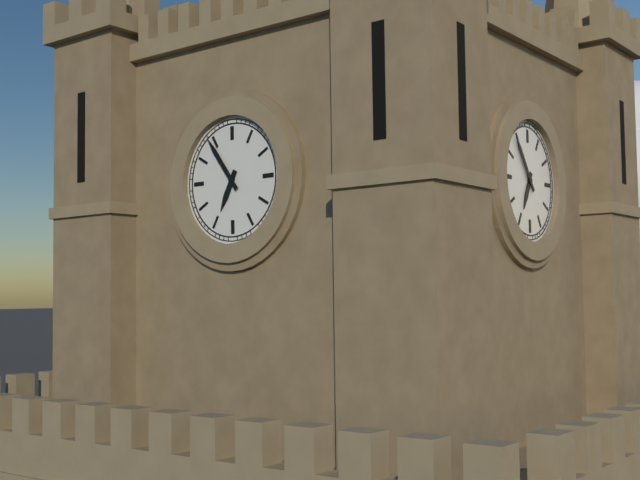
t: 6:54
